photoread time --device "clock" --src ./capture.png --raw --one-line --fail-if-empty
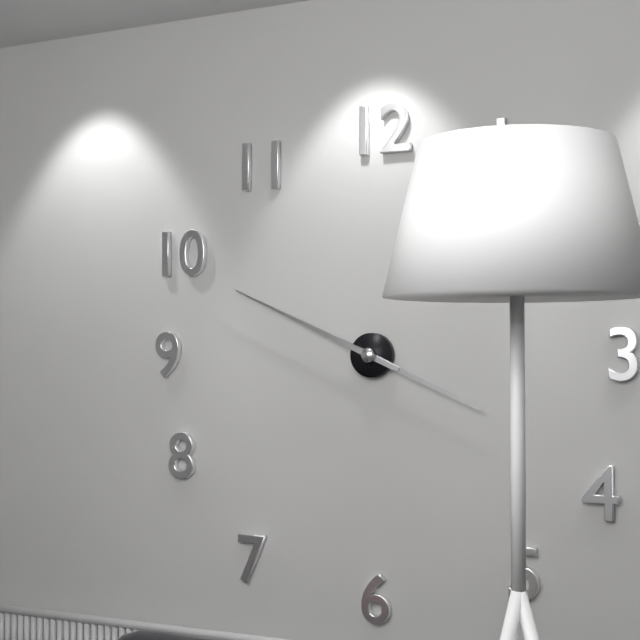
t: 3:49
